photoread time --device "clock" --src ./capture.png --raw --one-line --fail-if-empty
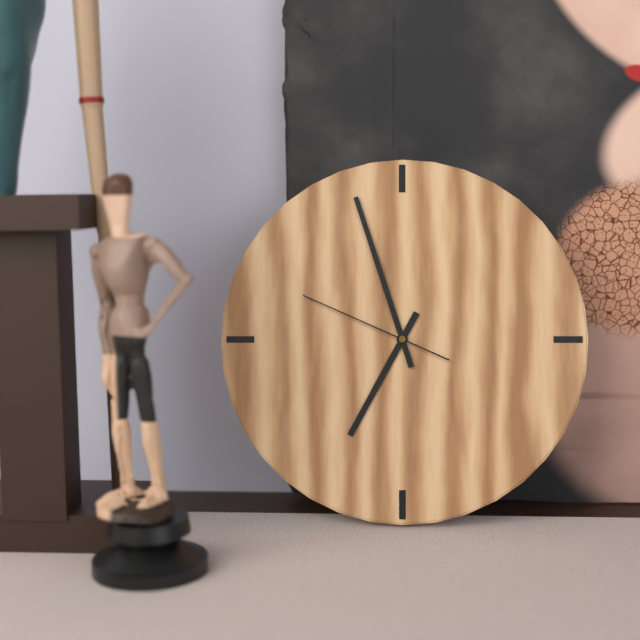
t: 6:57:49
